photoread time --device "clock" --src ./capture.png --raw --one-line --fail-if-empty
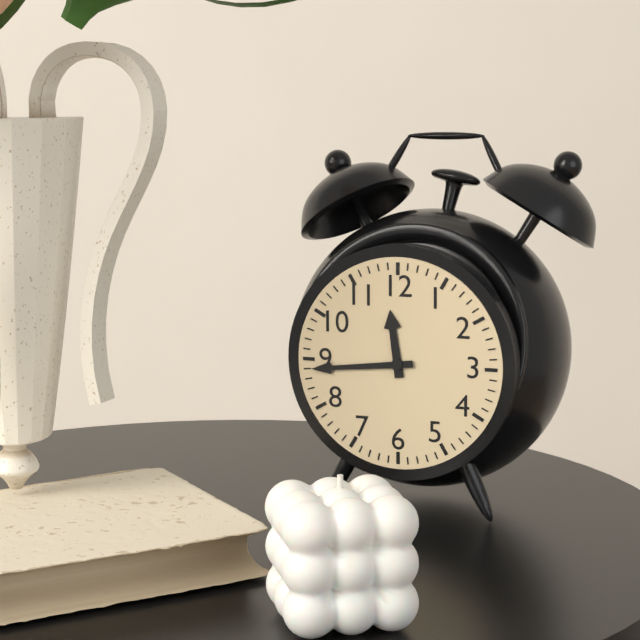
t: 11:44
